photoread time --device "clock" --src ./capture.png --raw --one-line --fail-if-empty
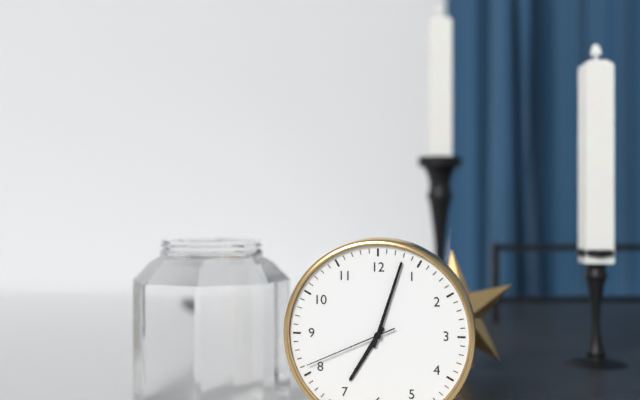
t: 7:03:41
